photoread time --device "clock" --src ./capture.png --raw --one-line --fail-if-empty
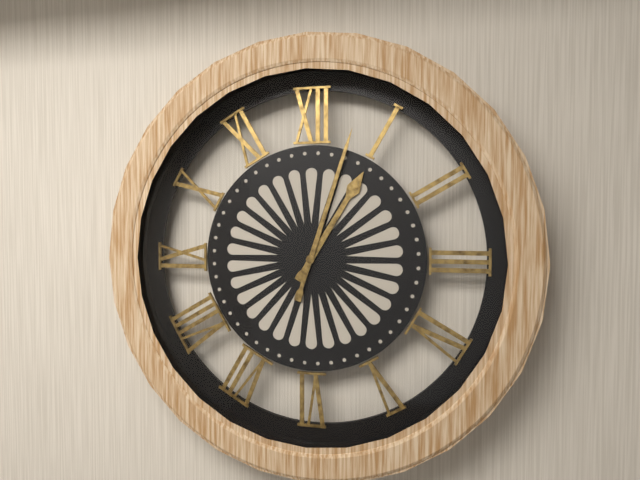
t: 1:03
